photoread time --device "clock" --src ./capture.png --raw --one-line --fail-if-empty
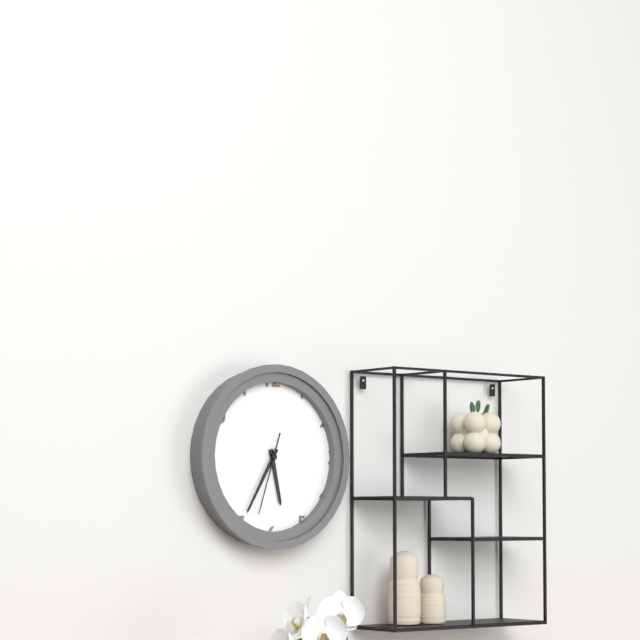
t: 5:35:33
